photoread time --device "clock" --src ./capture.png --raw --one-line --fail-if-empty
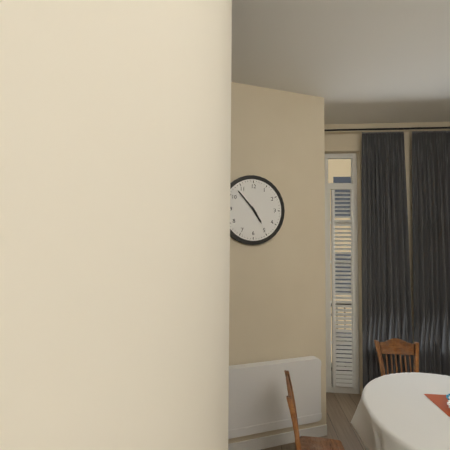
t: 4:53
